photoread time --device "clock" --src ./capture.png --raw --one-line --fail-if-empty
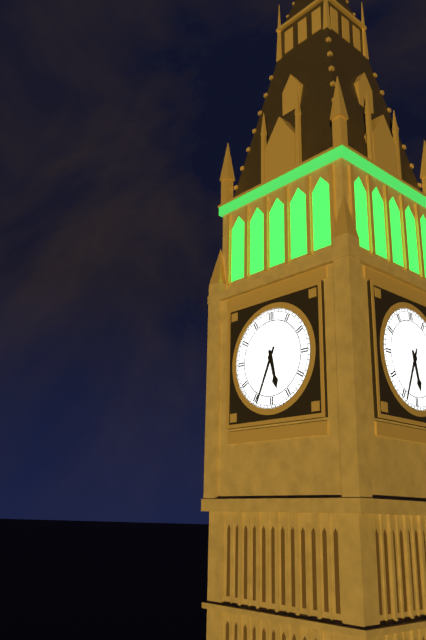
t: 5:34
